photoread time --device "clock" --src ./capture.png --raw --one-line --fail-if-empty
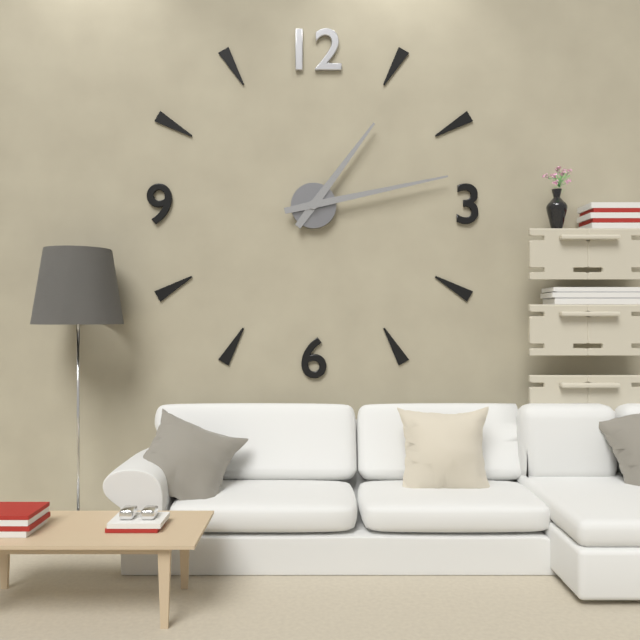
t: 1:13
